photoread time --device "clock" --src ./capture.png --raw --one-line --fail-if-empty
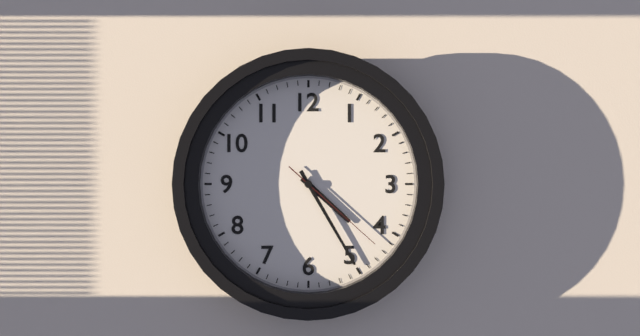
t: 4:25:22
